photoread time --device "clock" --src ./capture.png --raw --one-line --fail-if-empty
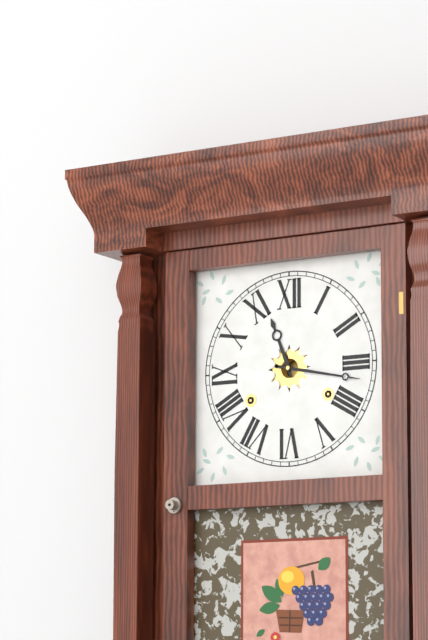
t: 11:17
